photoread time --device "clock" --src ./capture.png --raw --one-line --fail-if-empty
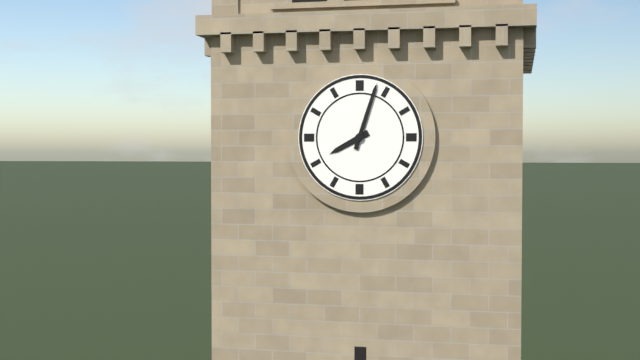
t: 8:03
